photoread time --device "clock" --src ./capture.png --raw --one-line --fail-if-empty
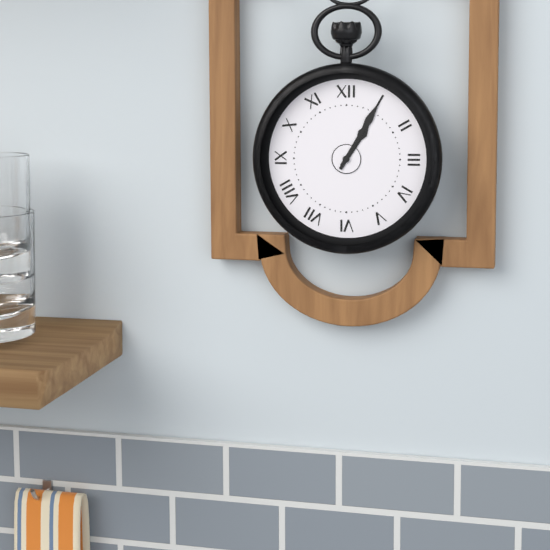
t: 1:05
